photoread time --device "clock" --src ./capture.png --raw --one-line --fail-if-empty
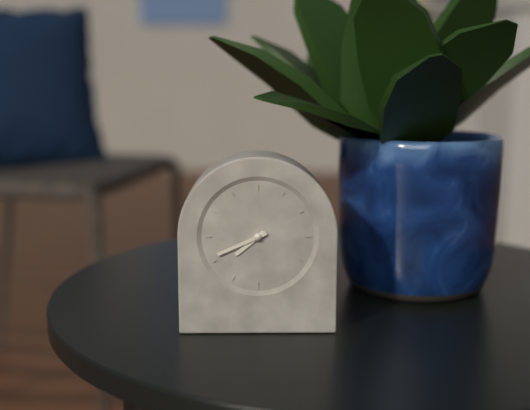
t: 7:41
